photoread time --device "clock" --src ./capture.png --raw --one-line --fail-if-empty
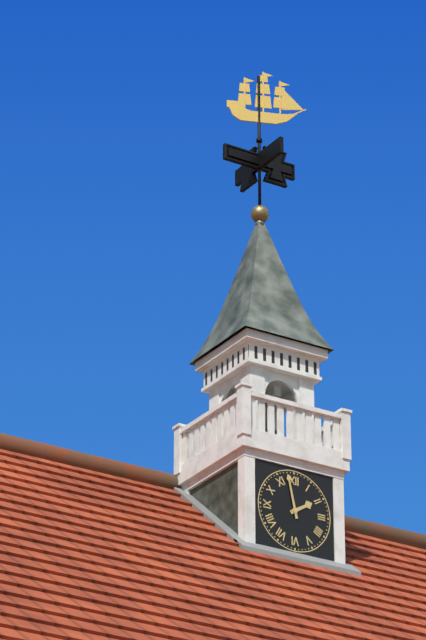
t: 1:58
